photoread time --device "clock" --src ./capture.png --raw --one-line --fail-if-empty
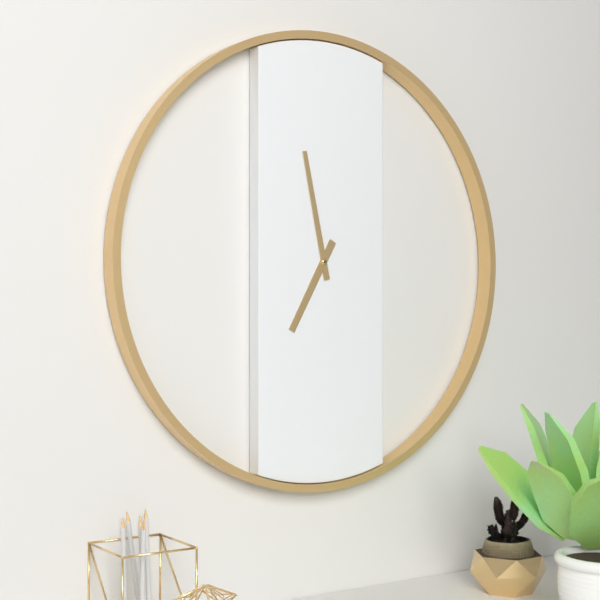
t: 6:58
